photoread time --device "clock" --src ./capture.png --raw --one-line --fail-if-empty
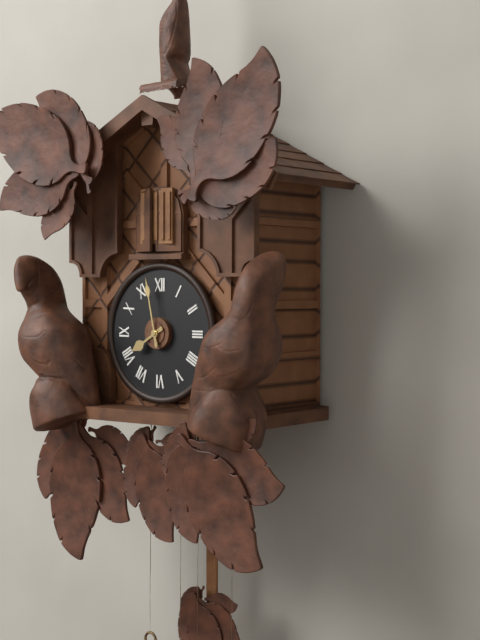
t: 7:58
